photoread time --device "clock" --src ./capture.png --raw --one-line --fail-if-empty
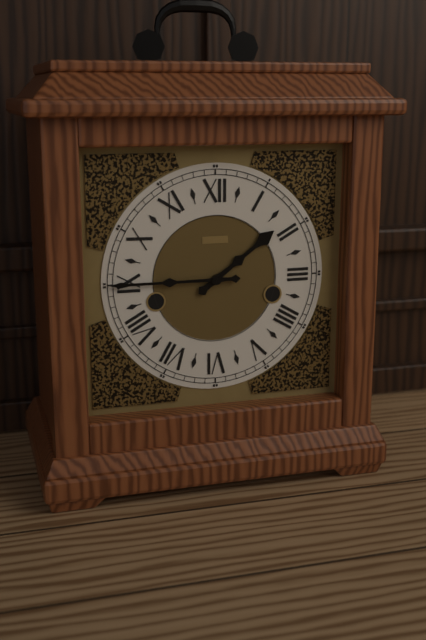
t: 1:45
